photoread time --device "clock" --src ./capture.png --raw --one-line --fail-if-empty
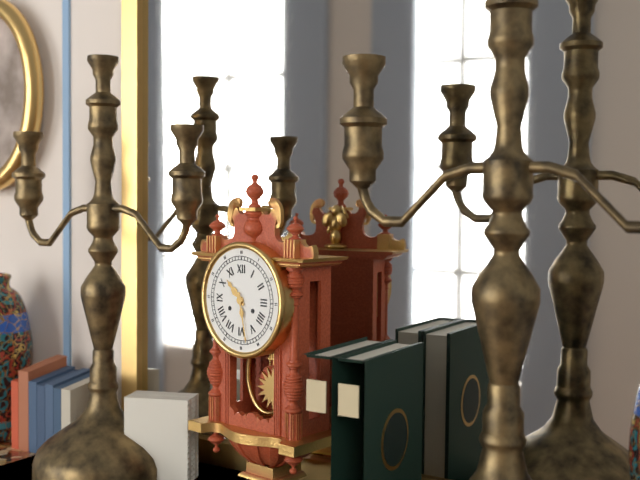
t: 10:28
